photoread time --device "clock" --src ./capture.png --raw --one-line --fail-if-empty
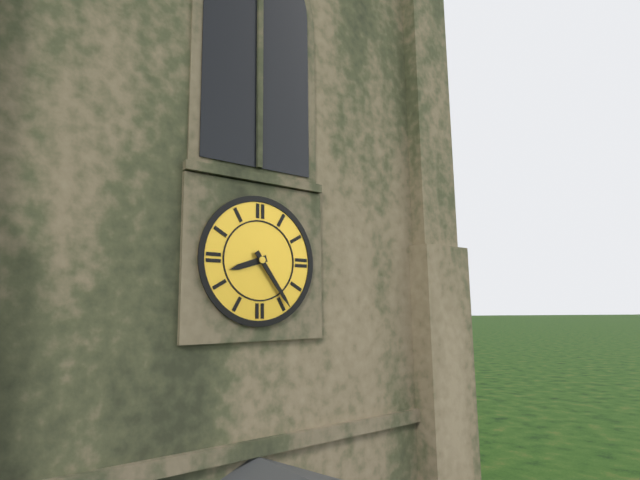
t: 8:24
